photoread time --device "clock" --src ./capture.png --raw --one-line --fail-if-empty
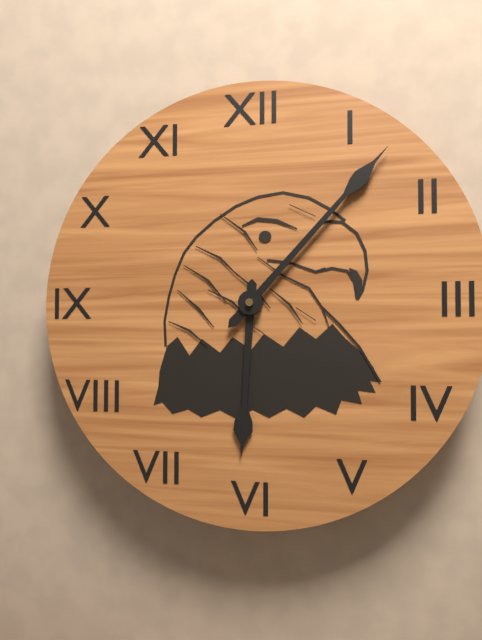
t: 6:07
